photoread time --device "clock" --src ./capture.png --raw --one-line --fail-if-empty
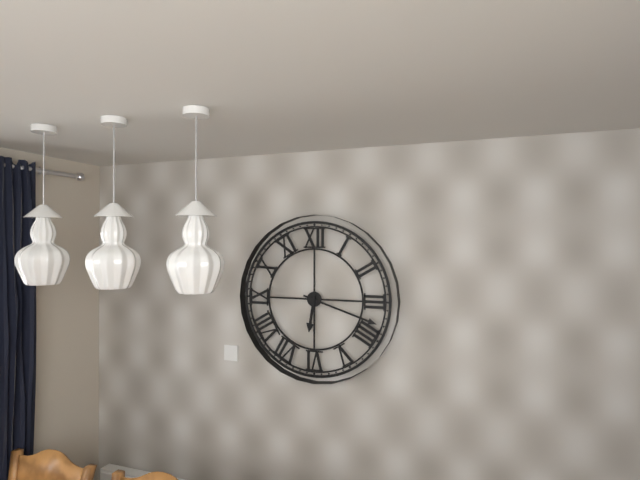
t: 6:18
